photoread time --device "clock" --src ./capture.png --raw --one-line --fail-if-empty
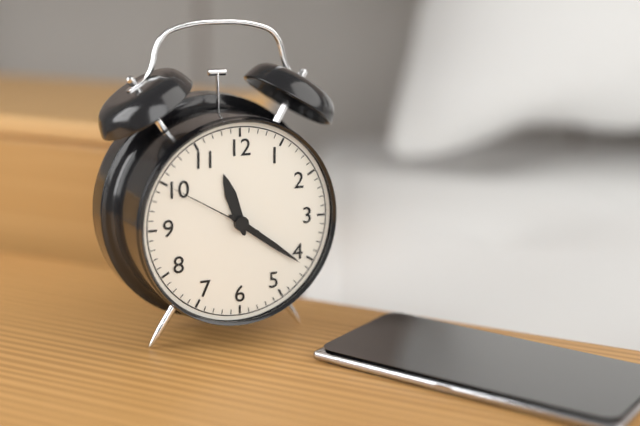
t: 11:21:50
